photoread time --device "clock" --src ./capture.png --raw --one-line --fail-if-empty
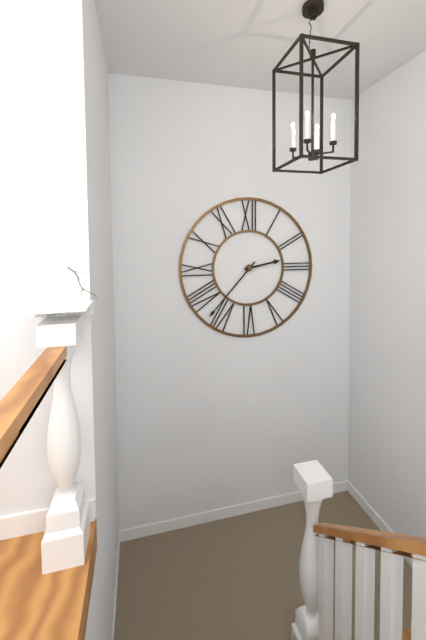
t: 2:37
